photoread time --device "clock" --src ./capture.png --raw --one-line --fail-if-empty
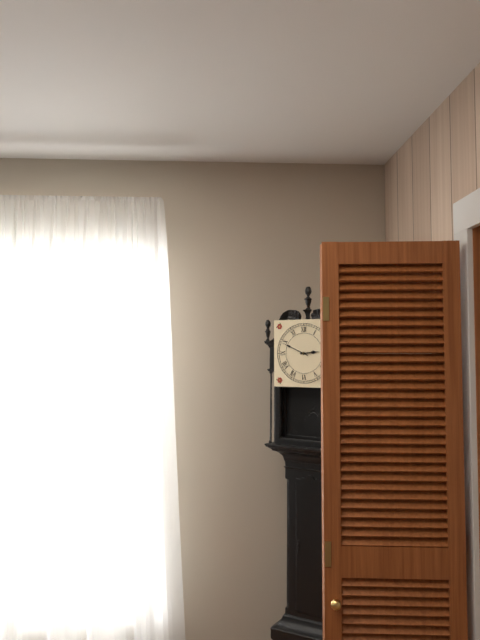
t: 2:49
